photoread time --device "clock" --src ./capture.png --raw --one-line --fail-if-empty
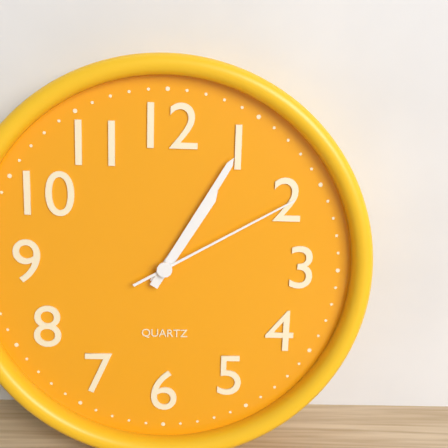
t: 1:05:10
